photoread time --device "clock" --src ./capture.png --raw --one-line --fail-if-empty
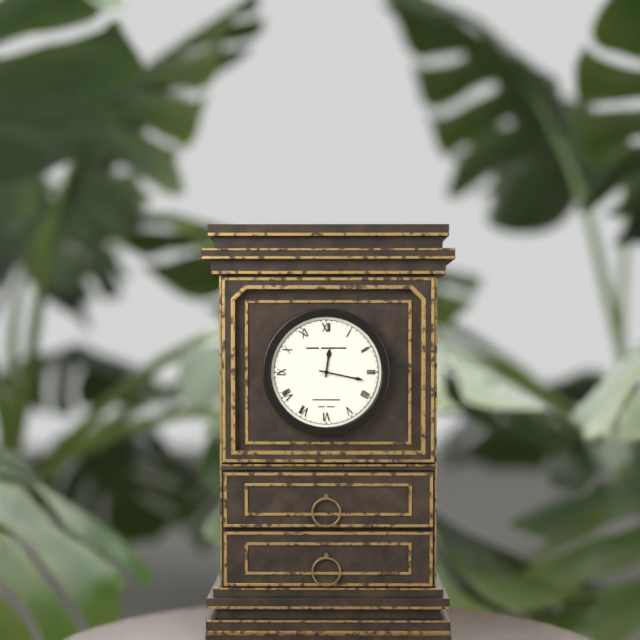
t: 12:17
